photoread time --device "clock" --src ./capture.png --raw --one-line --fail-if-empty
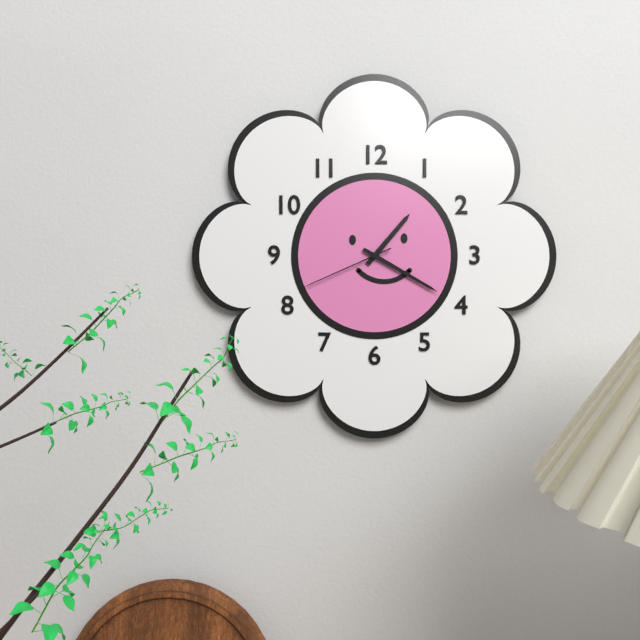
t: 1:20:41
